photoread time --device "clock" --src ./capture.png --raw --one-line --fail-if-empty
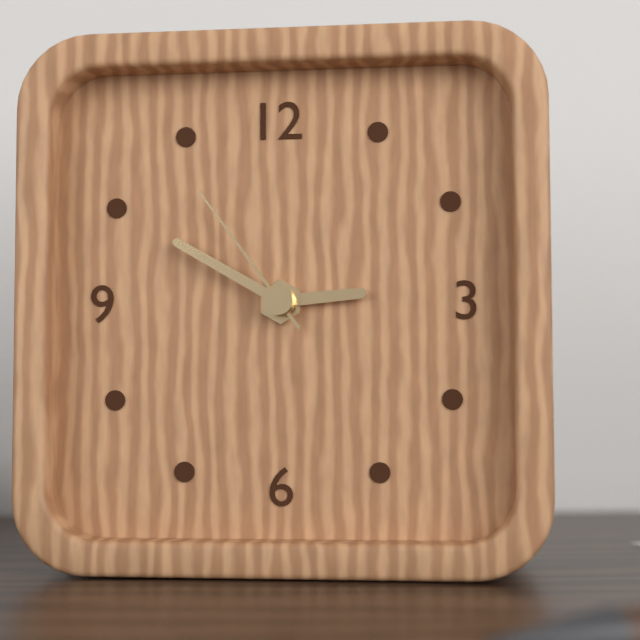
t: 2:50:54
